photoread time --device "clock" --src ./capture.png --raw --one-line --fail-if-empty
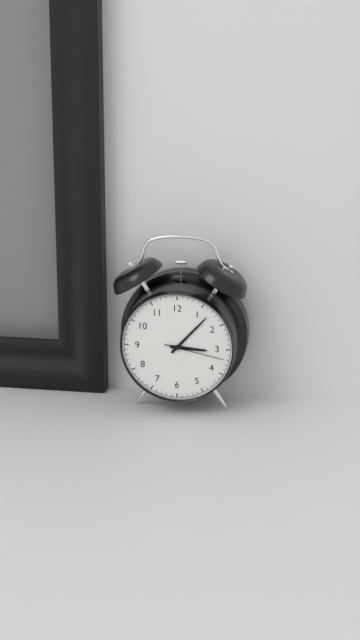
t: 3:07:17
